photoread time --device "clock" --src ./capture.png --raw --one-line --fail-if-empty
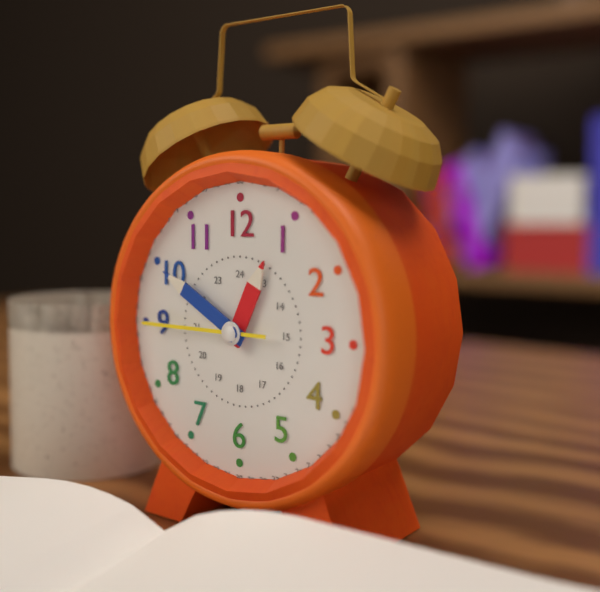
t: 12:50:45
